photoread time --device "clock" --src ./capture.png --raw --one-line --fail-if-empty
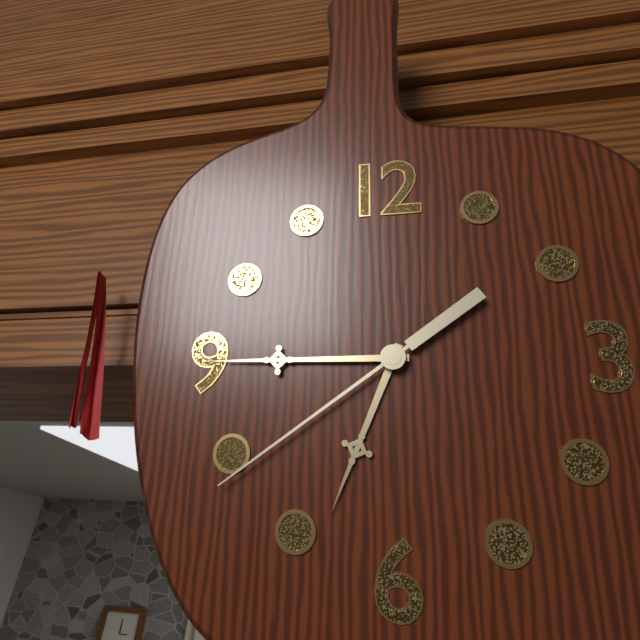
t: 6:45:39
